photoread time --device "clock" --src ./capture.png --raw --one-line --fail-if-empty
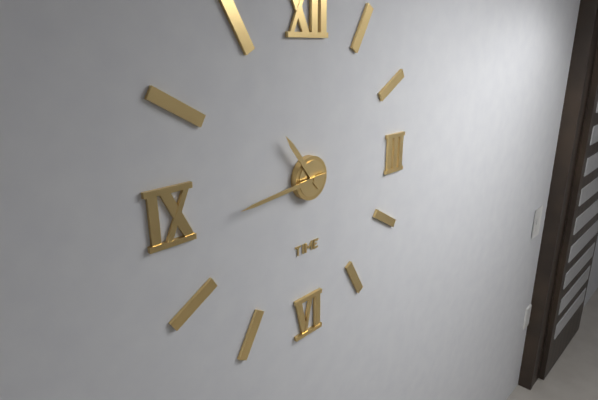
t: 10:44
